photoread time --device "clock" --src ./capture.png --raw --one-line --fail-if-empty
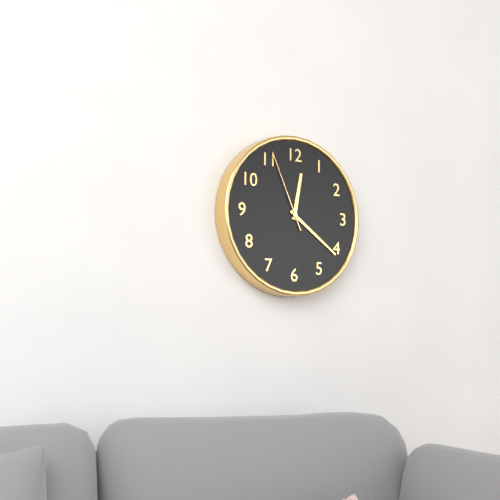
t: 12:21:56
